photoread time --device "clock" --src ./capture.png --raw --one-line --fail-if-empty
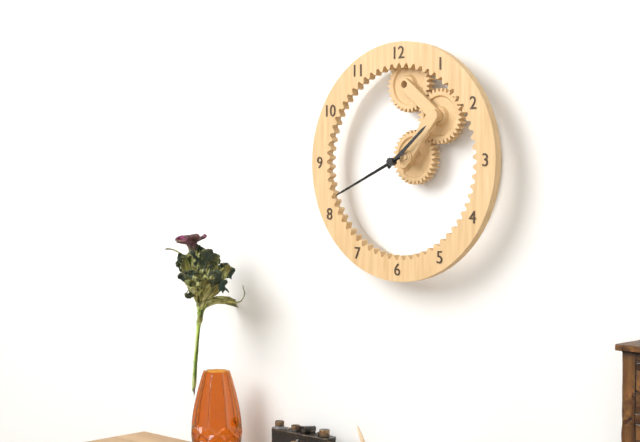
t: 1:41:41
